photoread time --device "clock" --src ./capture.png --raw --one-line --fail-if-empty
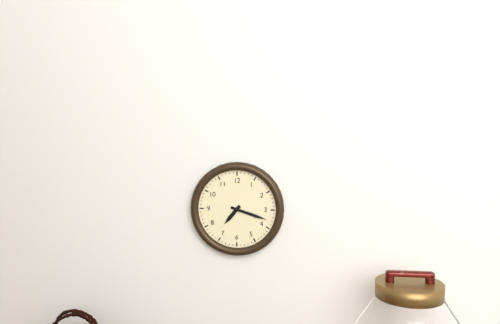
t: 7:18
